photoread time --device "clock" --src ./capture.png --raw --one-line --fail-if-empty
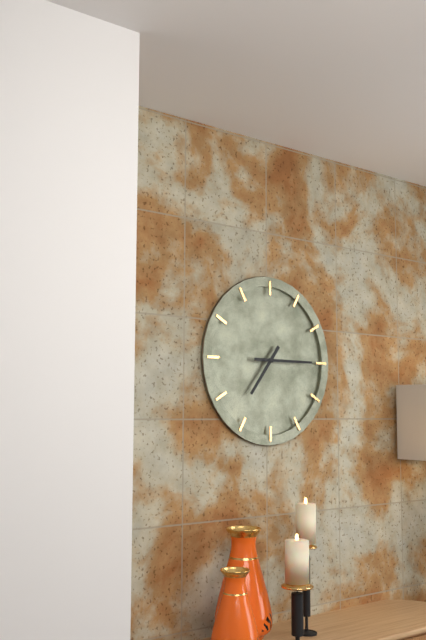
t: 7:15
